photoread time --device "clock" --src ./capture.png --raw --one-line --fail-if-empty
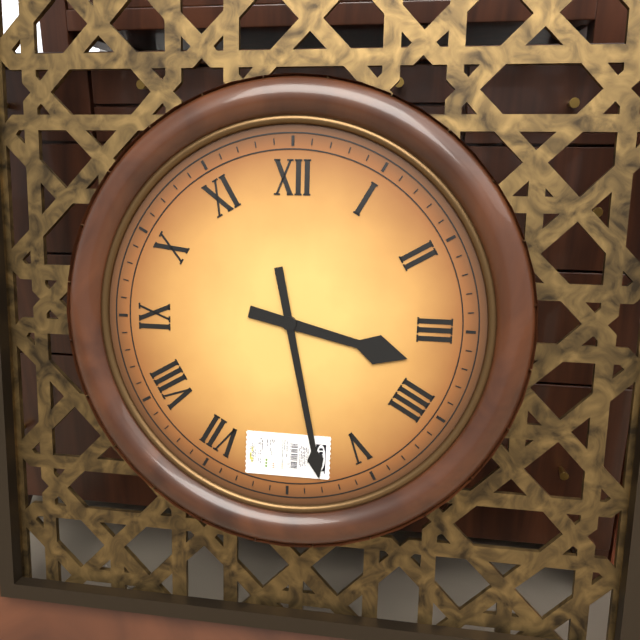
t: 3:28
